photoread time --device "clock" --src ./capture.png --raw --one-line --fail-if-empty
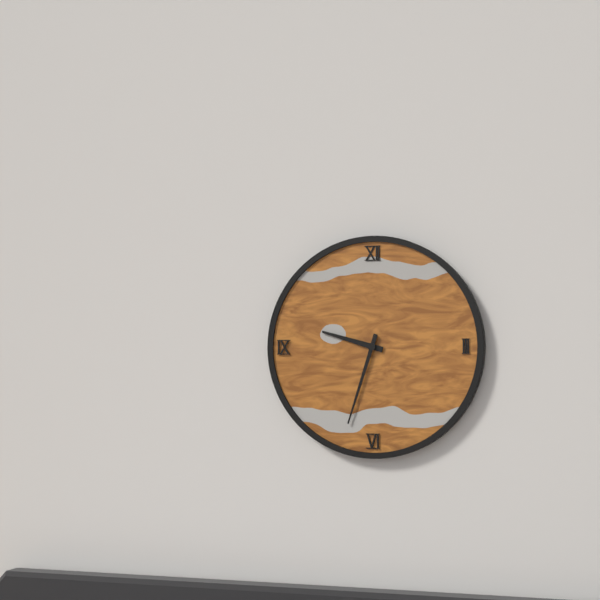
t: 9:33
